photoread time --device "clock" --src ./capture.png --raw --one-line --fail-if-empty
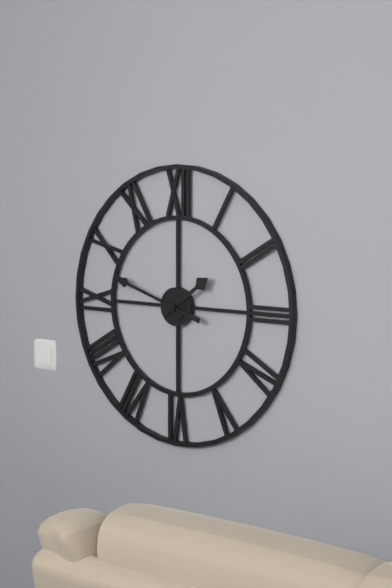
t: 1:48
